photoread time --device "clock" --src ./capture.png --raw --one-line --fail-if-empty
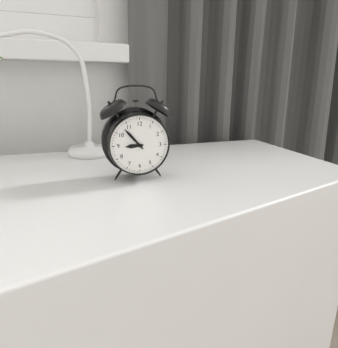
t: 8:53
